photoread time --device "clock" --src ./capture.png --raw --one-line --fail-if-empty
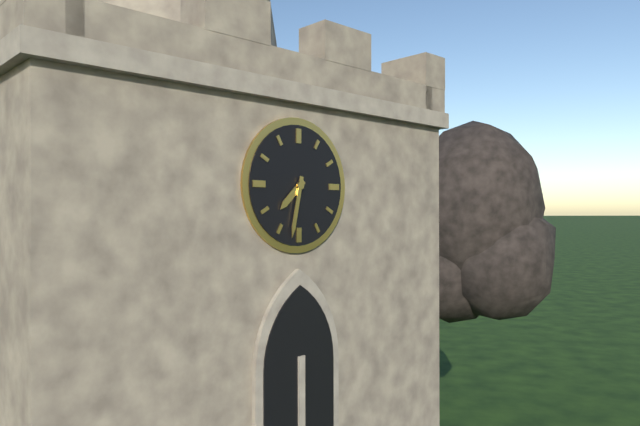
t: 7:32
